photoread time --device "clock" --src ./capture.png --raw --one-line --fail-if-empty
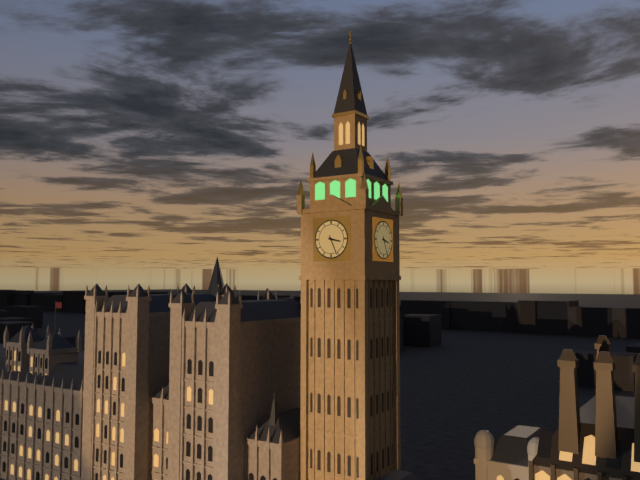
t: 3:26
